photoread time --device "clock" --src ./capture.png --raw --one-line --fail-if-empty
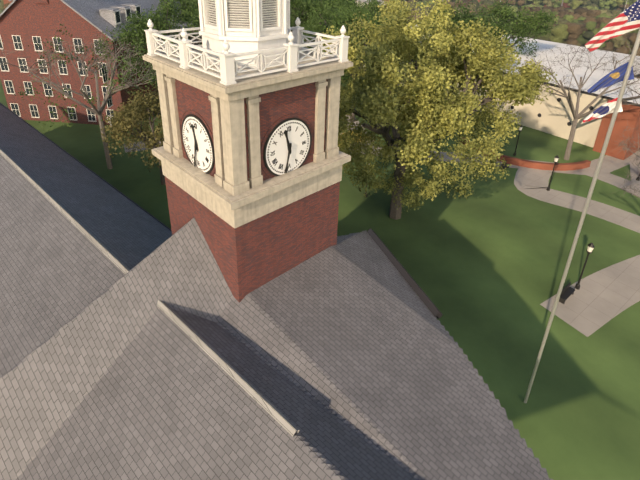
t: 11:32
